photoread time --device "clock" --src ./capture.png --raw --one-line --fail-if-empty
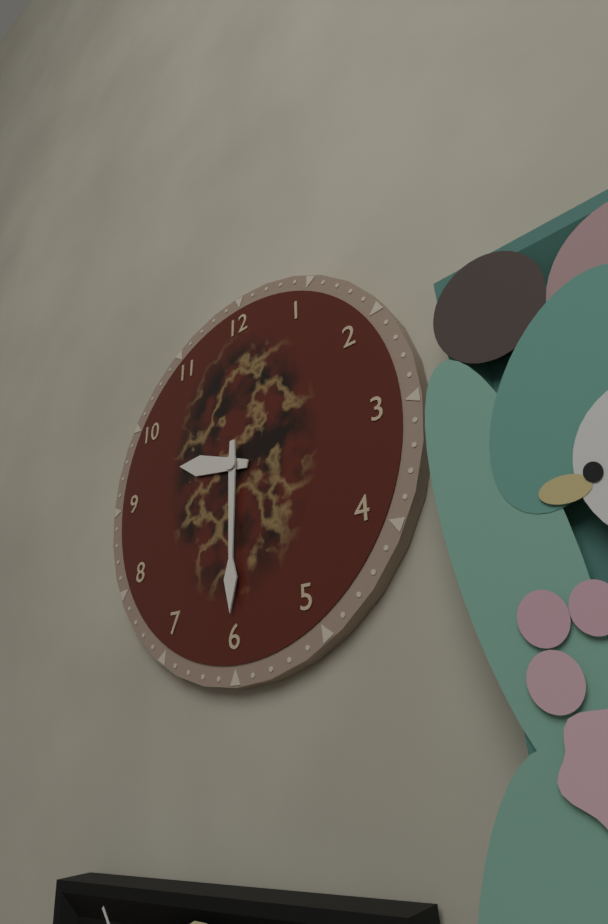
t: 9:30
